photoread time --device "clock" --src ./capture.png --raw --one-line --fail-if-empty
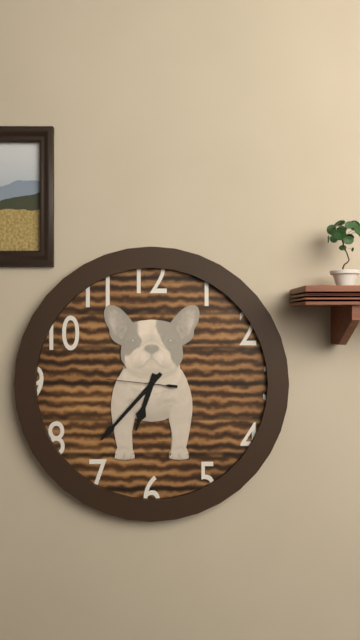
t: 6:37:46
